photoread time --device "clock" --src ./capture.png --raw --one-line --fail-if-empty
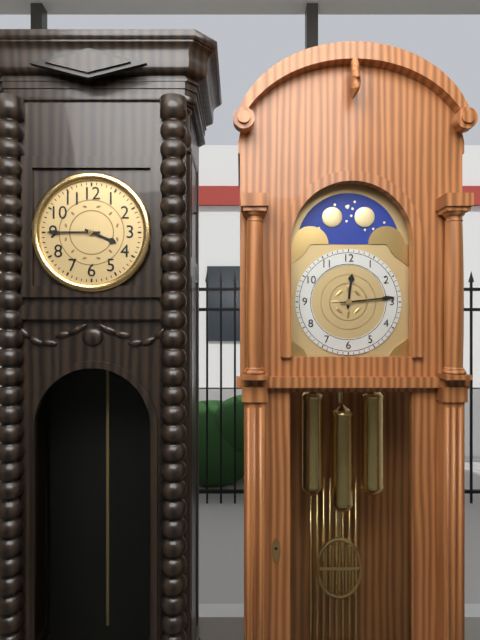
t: 3:45
